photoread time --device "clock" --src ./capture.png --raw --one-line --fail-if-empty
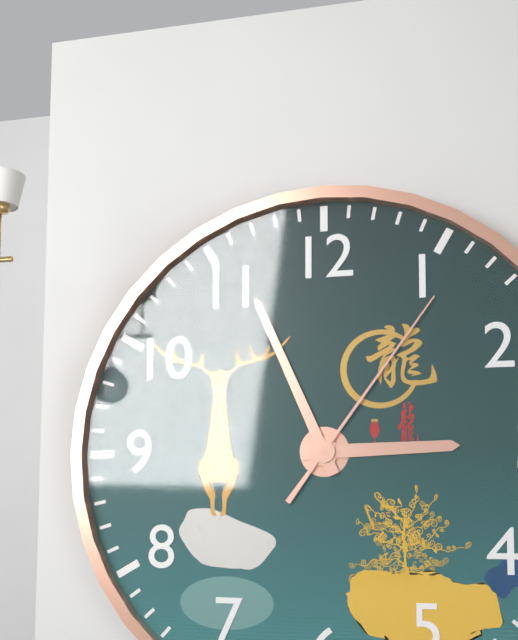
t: 2:56:06
